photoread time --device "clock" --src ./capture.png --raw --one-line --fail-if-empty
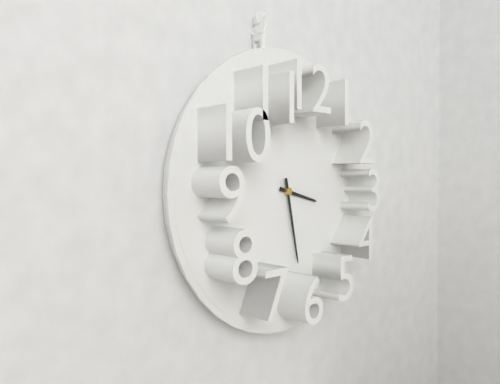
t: 3:28
